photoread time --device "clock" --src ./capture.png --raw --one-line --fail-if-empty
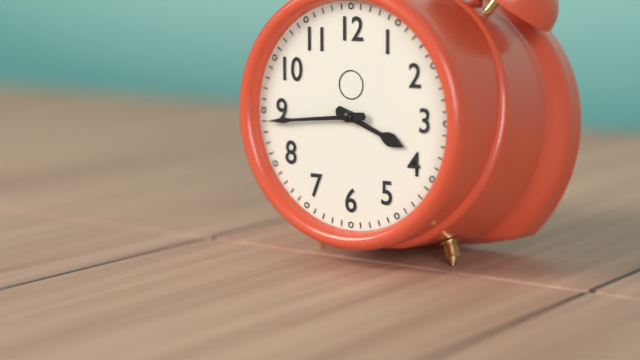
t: 3:44
